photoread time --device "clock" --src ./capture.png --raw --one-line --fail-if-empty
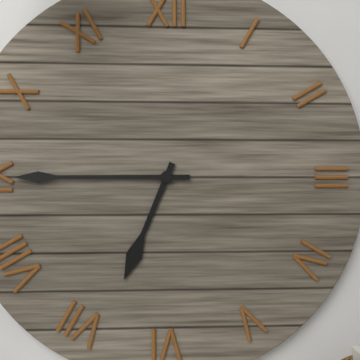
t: 6:45
